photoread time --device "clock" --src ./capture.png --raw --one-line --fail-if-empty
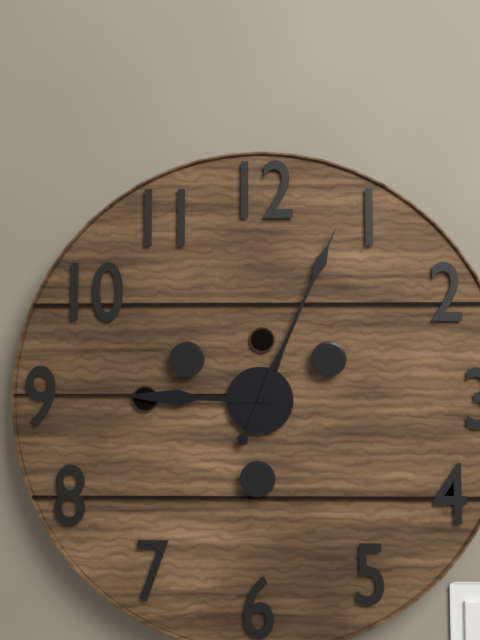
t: 9:04
